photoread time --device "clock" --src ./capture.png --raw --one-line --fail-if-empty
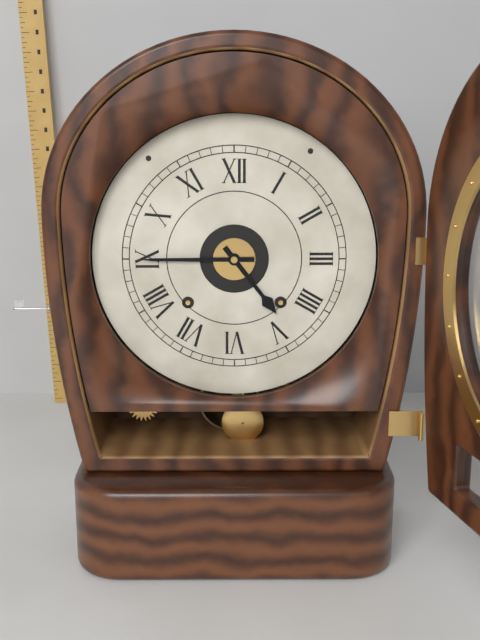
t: 4:45
